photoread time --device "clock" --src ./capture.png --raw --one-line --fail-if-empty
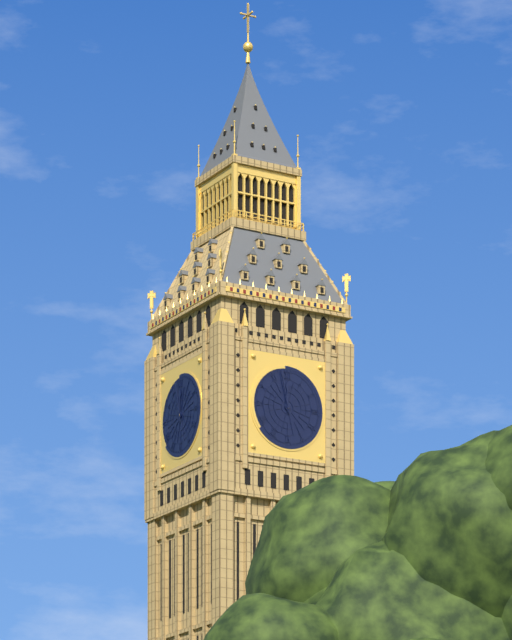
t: 11:58
